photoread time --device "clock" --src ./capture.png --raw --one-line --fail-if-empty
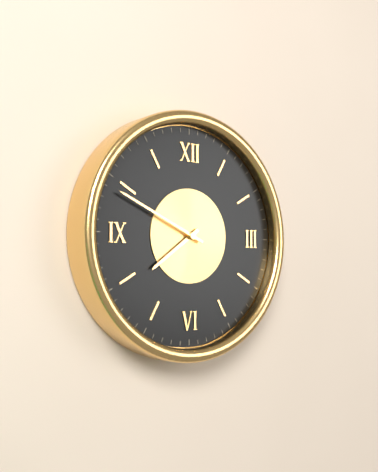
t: 7:49
